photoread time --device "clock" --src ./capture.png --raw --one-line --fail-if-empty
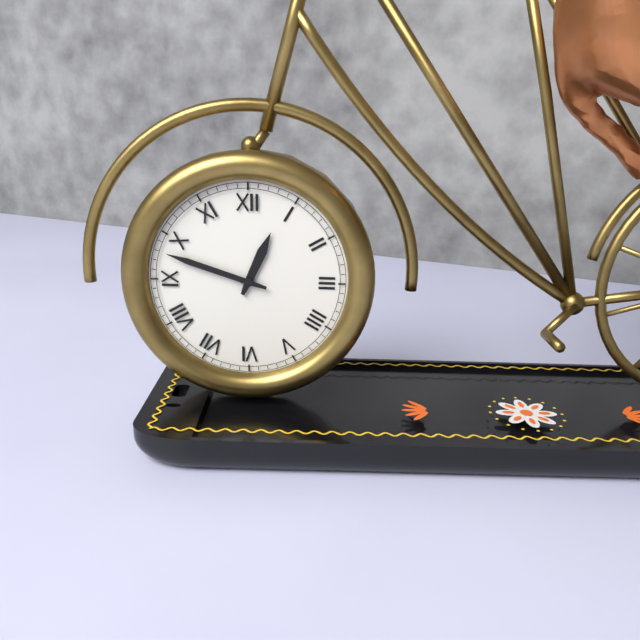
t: 12:48
